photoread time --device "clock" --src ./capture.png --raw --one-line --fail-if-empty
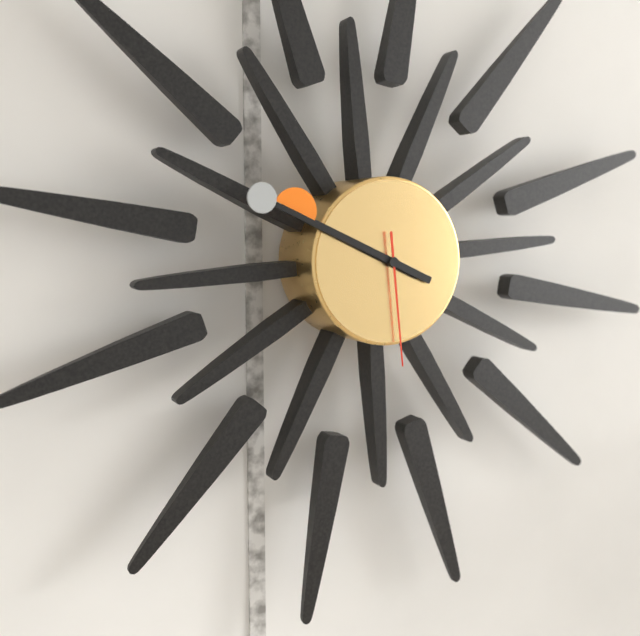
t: 9:49:29
